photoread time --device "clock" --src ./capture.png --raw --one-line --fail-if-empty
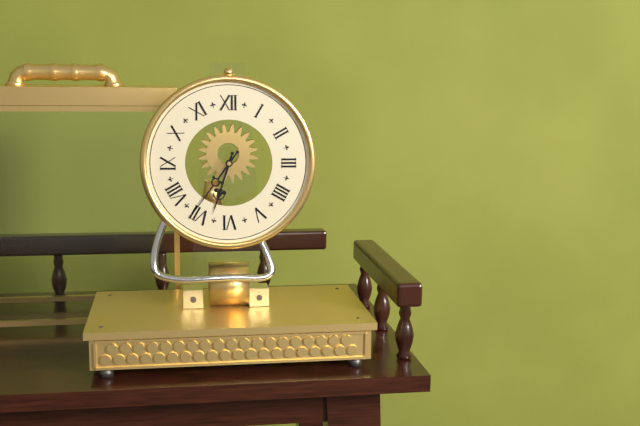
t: 6:36
